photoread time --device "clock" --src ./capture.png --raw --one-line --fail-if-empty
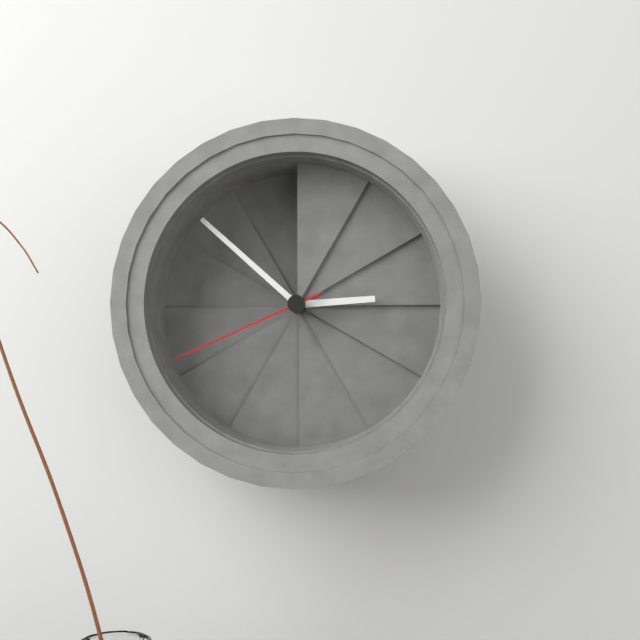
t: 2:52:41
